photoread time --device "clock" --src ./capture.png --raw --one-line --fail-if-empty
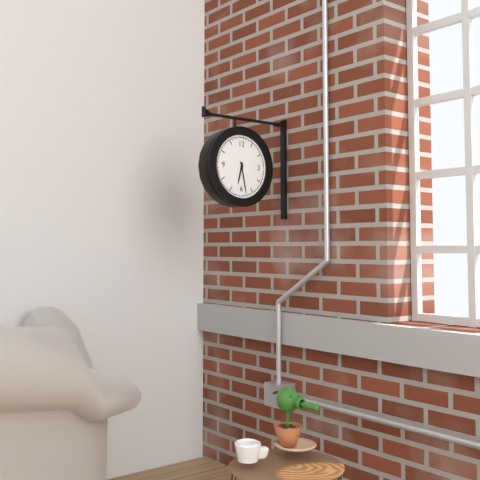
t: 6:28
